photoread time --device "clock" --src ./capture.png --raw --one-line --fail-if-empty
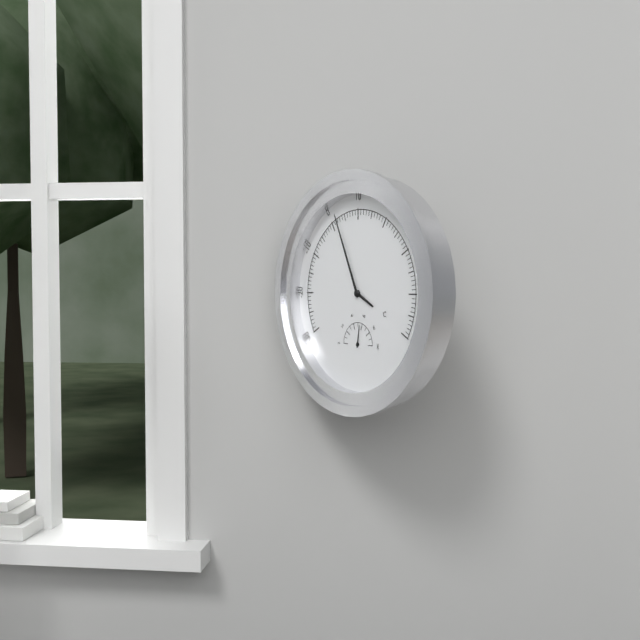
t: 3:56
